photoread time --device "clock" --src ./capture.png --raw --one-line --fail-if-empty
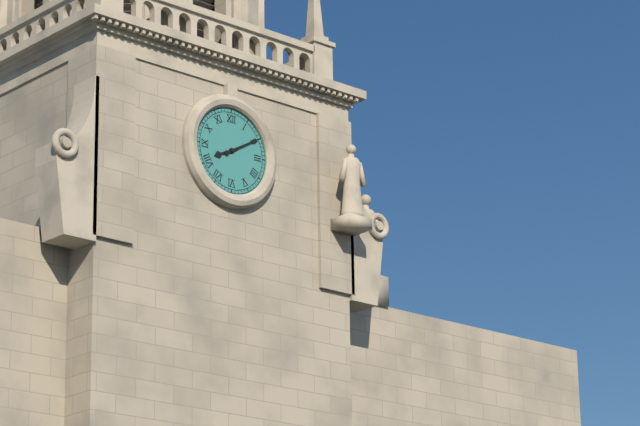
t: 8:10
